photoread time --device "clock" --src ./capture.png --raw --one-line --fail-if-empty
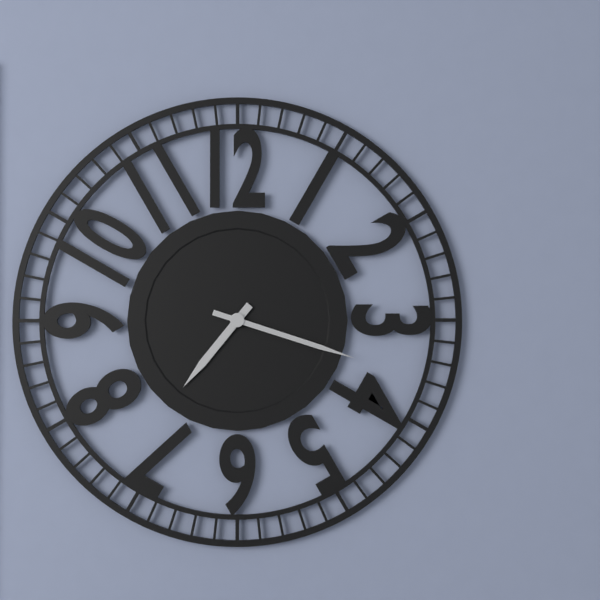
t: 7:18
